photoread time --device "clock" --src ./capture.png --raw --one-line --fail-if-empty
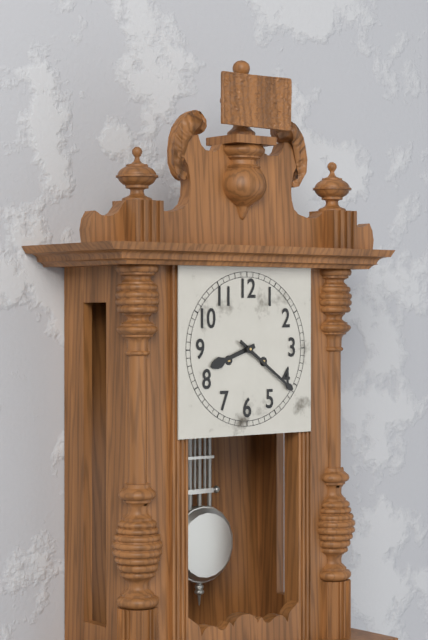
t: 8:21
